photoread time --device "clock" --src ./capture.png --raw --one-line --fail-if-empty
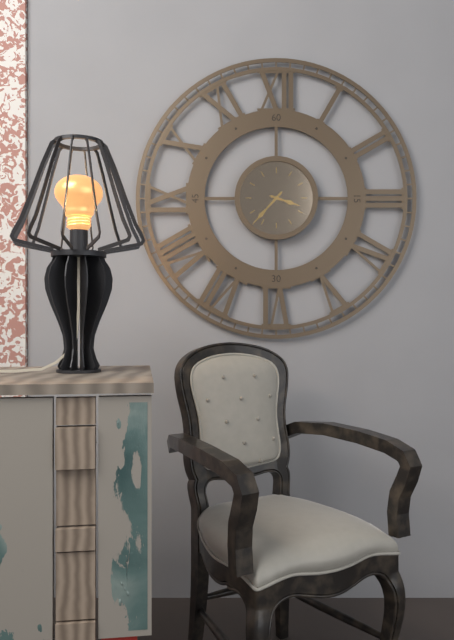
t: 3:37
